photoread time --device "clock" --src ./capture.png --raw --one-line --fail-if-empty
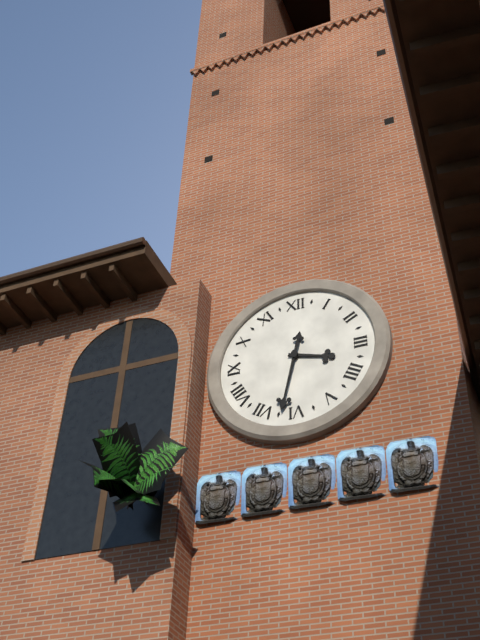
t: 3:32
